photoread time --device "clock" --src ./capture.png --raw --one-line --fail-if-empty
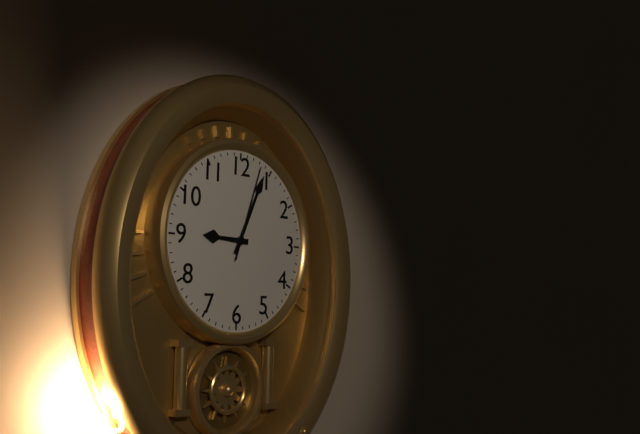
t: 9:04:03
